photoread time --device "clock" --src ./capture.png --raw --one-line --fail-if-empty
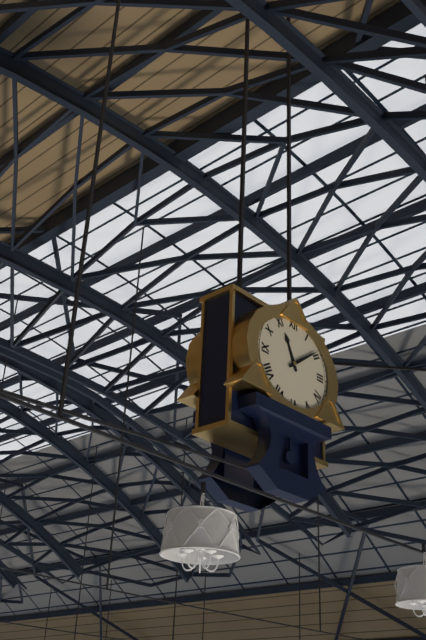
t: 11:09
